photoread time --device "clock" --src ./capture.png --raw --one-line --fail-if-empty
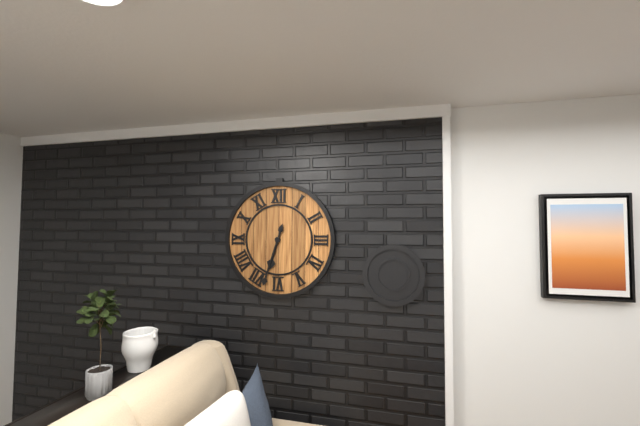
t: 6:33
